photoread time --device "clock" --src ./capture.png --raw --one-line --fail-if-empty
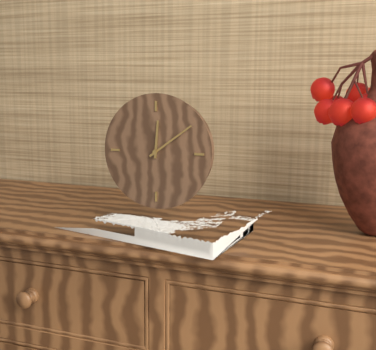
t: 12:09
